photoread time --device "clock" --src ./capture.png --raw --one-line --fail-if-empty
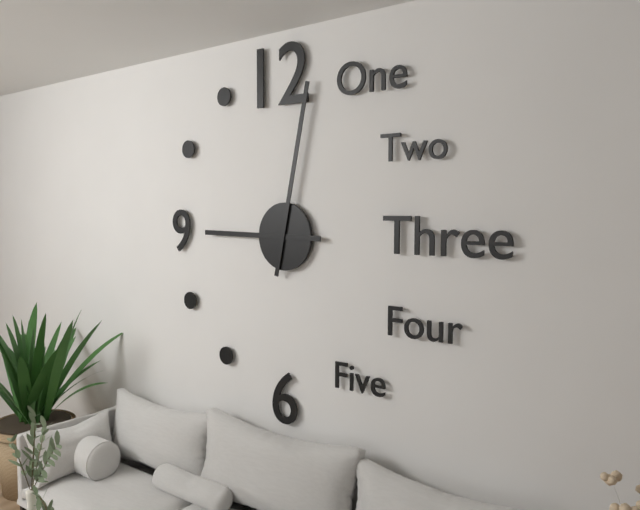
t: 9:02
